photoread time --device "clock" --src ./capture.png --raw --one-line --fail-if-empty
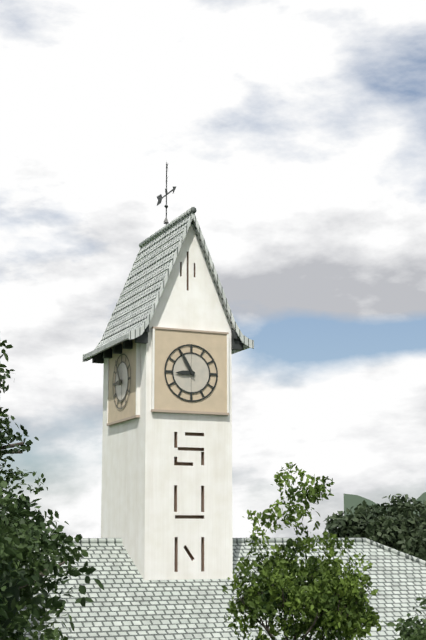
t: 8:55
